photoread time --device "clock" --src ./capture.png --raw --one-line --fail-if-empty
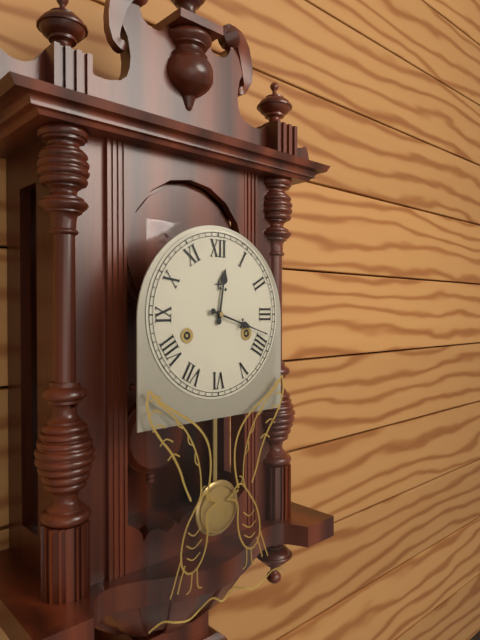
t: 12:18
